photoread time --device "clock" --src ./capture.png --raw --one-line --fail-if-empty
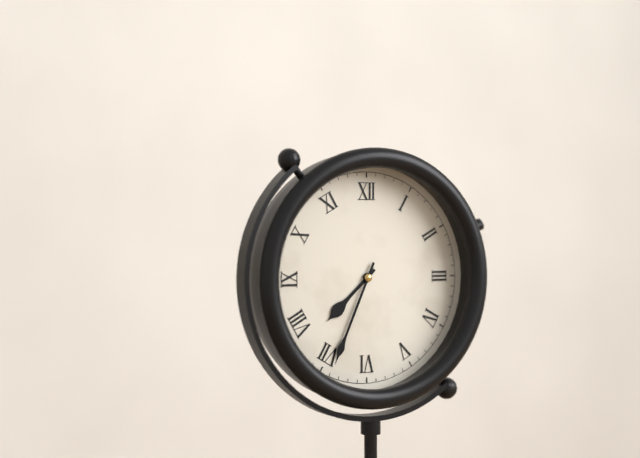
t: 7:34
